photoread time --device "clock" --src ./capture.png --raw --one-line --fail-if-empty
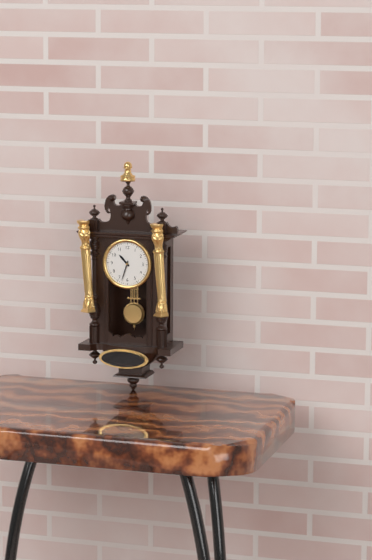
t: 10:33
